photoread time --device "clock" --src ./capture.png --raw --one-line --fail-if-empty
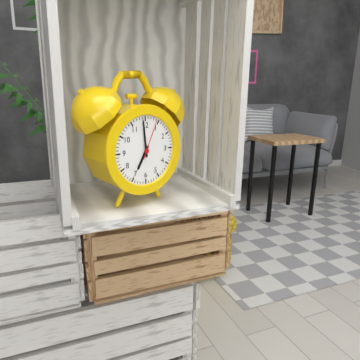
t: 6:59
